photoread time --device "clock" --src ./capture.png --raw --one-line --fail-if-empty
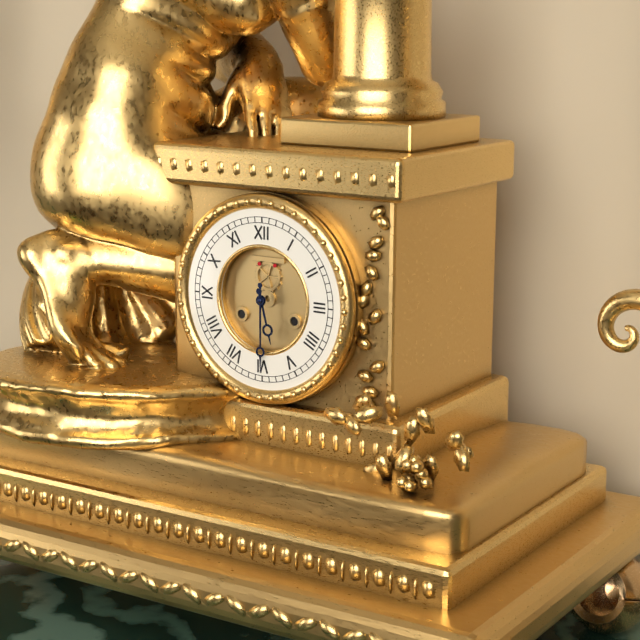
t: 5:30
